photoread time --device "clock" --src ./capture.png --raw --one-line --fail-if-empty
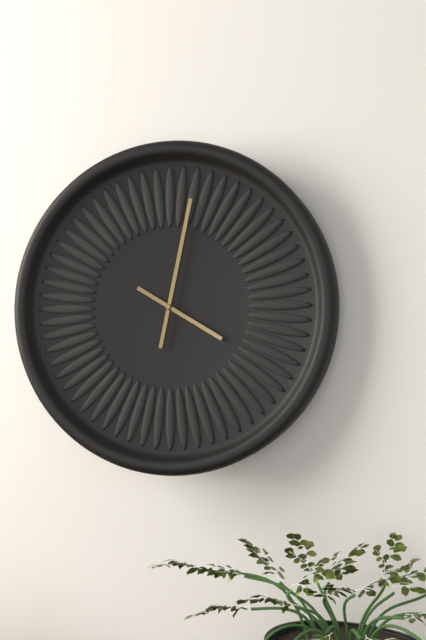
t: 4:02
